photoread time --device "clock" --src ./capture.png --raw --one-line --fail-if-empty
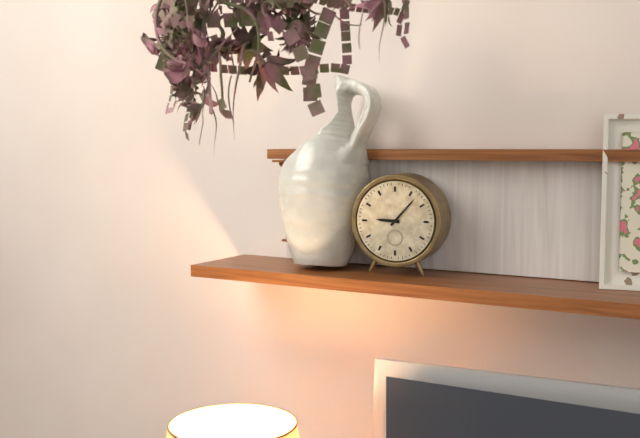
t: 9:07
